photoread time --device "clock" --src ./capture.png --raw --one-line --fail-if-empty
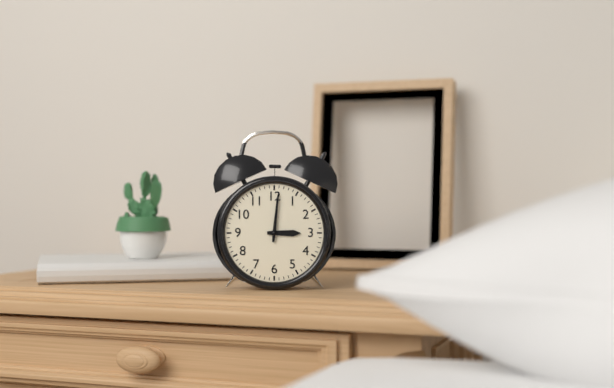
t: 3:01
